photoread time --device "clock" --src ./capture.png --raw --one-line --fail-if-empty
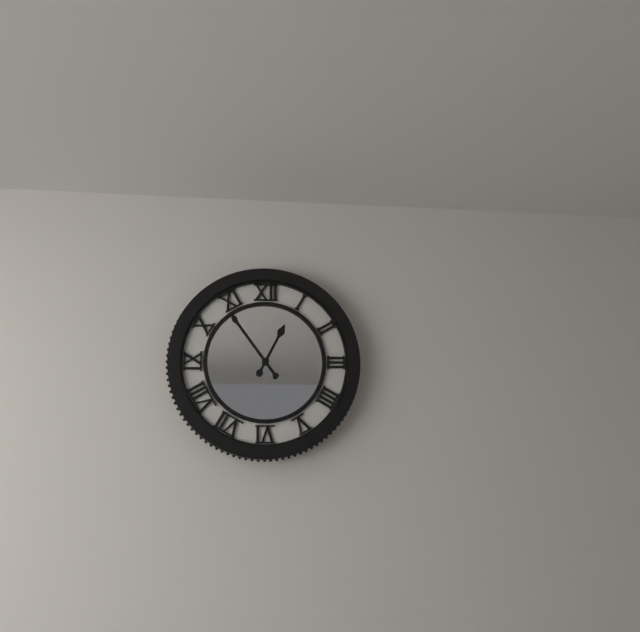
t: 12:54
